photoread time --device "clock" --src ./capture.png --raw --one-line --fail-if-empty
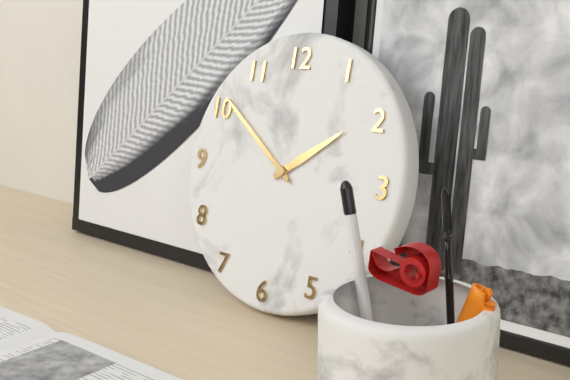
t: 1:51
